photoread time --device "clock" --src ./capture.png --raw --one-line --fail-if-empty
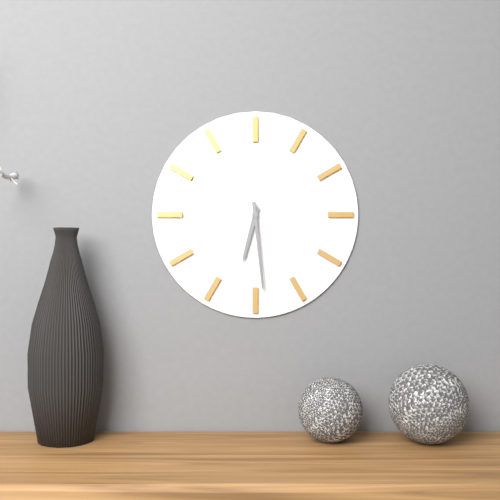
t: 6:29
